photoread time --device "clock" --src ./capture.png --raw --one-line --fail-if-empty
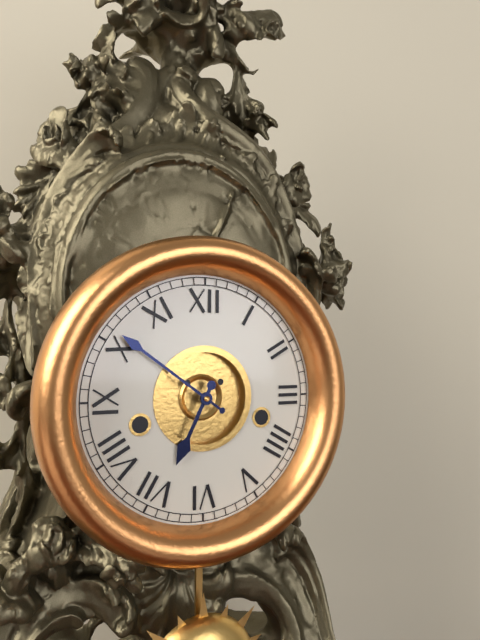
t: 6:51
